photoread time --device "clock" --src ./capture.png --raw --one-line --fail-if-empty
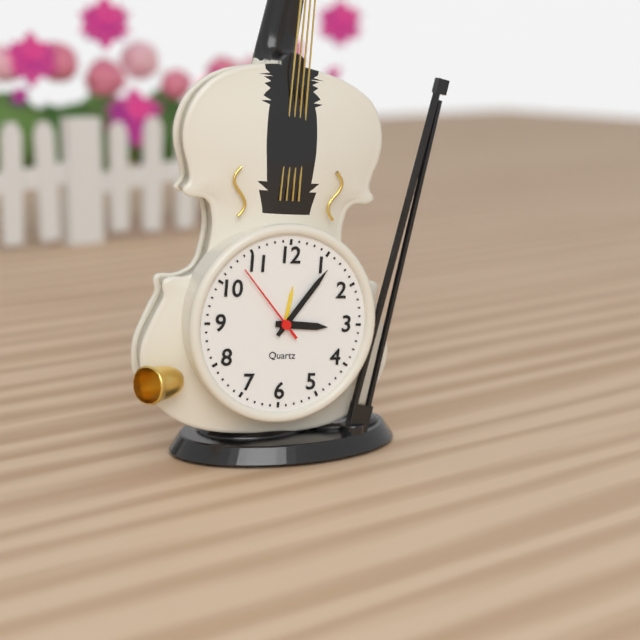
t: 3:06:53
